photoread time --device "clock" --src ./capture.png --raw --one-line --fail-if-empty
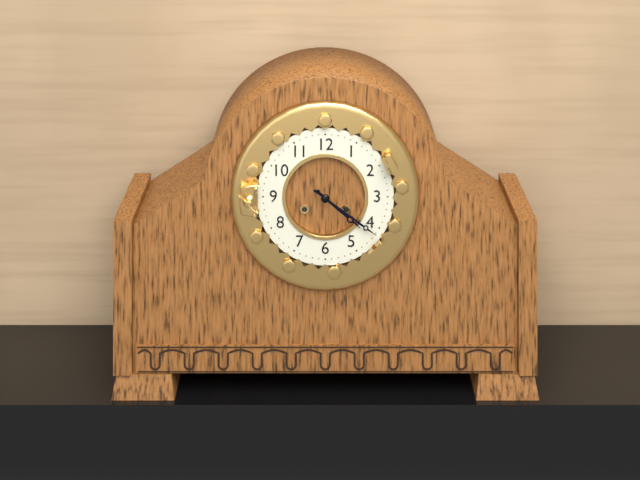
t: 4:21
